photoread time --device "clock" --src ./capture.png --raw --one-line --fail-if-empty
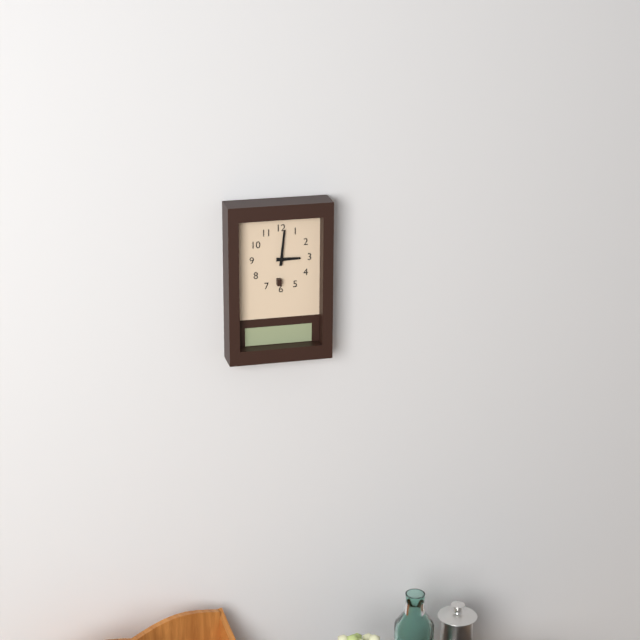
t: 3:01
